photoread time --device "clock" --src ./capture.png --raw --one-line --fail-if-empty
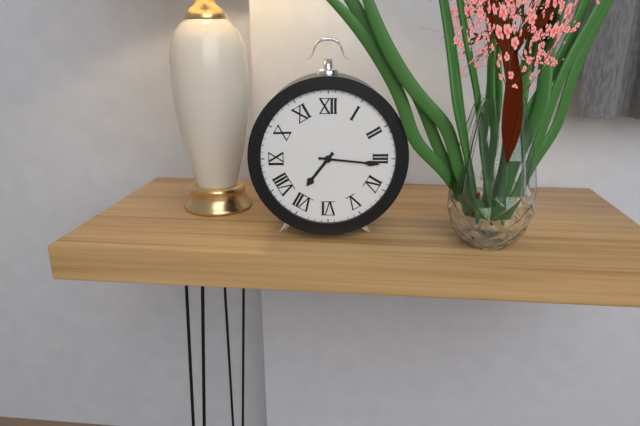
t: 7:16
